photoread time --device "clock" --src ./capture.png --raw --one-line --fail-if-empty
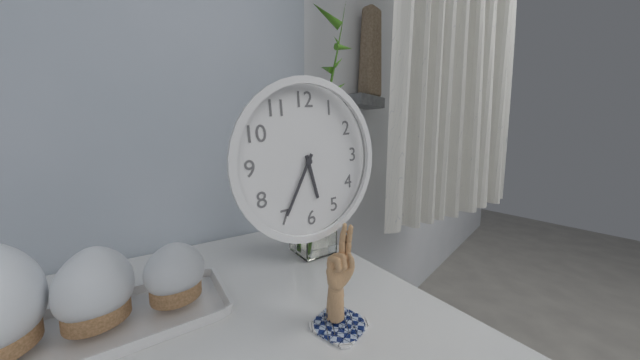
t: 5:35
